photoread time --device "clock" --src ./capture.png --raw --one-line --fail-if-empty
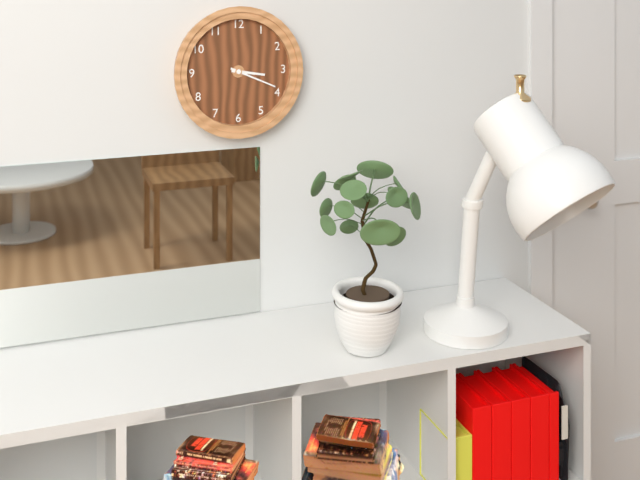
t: 3:19
